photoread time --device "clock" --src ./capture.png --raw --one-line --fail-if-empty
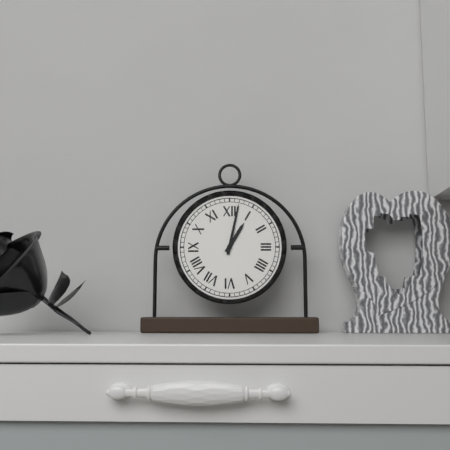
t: 1:02
